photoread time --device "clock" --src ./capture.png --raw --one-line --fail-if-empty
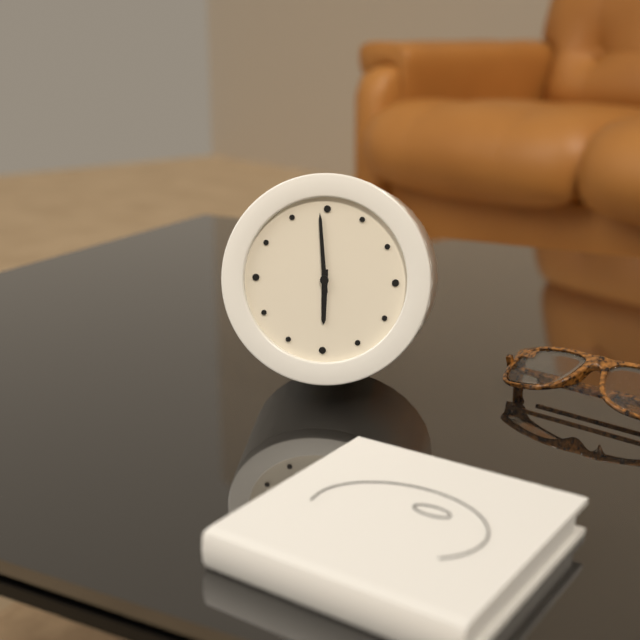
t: 5:59
